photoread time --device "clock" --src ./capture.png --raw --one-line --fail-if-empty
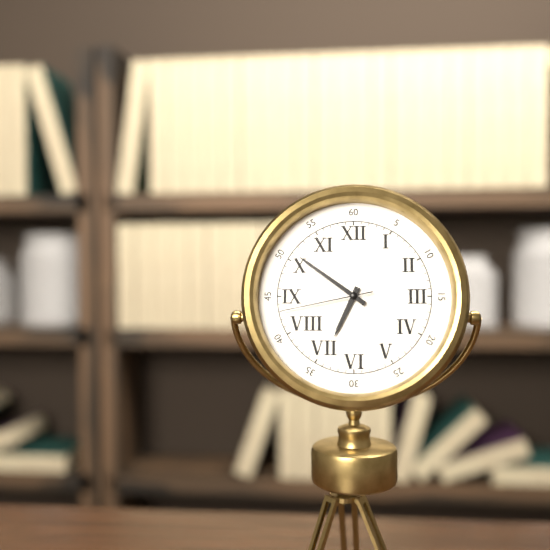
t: 6:51:43
